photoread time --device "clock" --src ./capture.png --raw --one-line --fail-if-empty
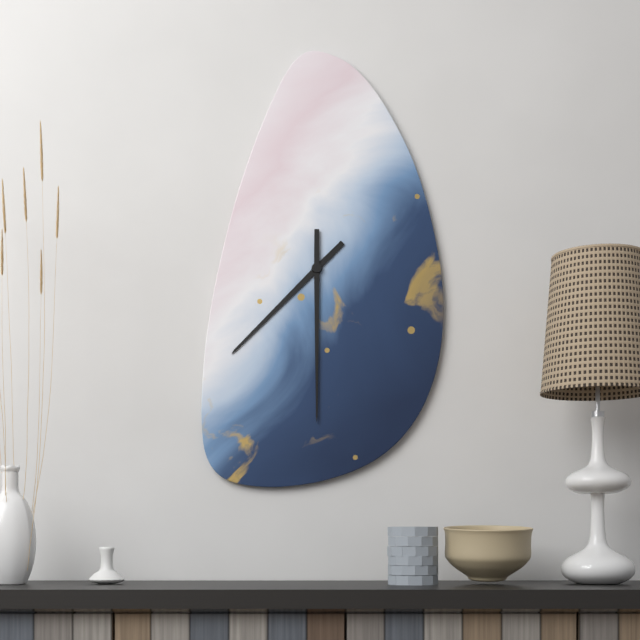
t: 7:30
